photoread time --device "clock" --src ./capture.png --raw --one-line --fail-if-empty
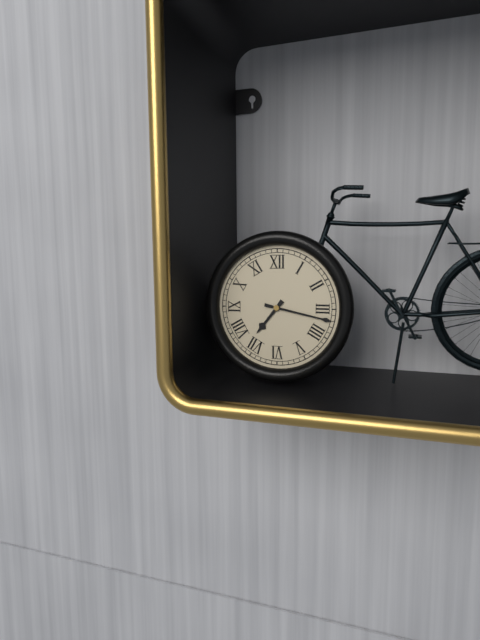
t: 7:17
